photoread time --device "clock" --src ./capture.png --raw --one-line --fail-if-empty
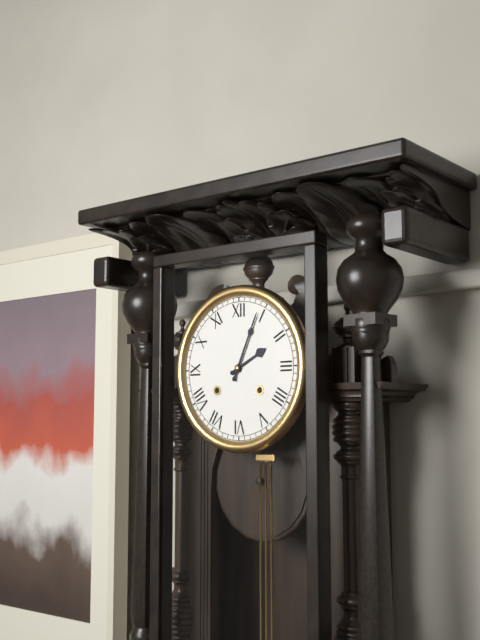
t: 2:04
